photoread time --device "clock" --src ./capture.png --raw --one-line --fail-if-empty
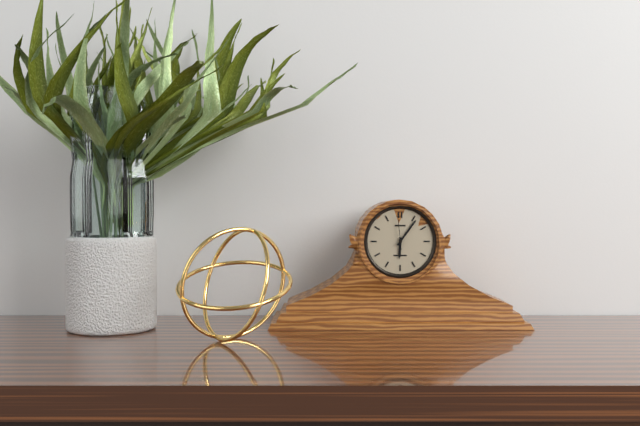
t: 6:06
